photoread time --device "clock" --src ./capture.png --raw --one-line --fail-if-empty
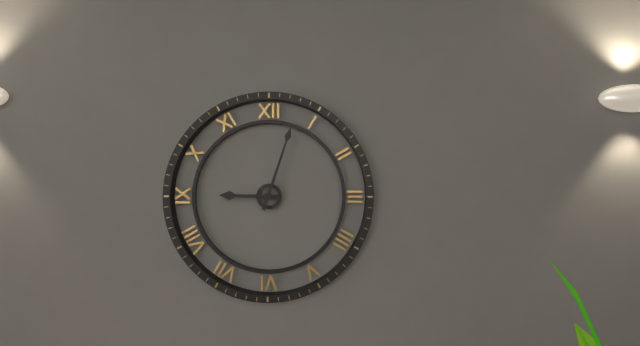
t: 9:03
